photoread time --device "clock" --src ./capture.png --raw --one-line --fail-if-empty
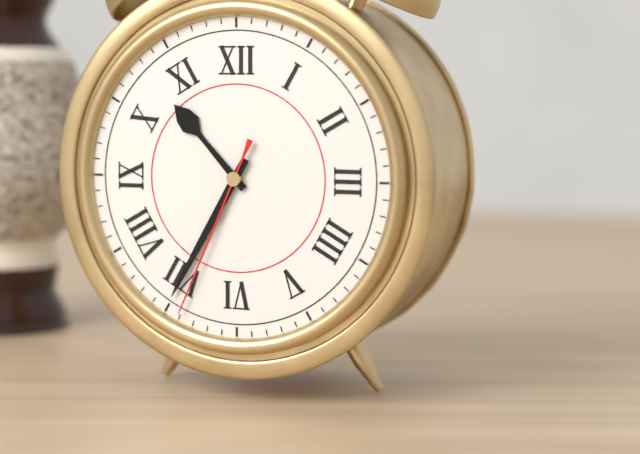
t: 10:35:34
